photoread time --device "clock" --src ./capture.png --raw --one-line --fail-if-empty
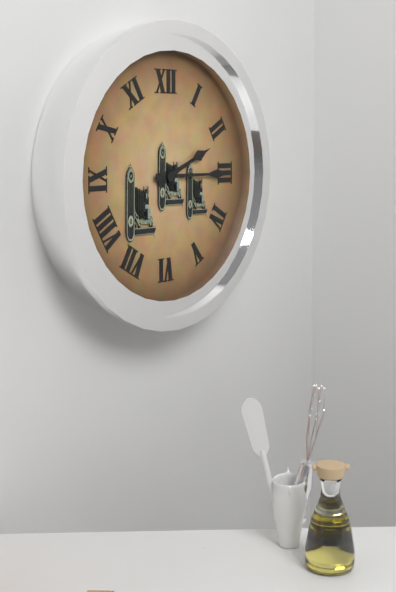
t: 2:15
